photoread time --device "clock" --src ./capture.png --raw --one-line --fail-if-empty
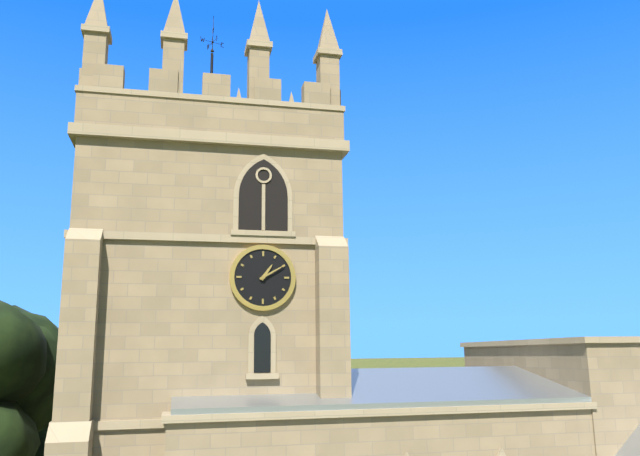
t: 1:10
